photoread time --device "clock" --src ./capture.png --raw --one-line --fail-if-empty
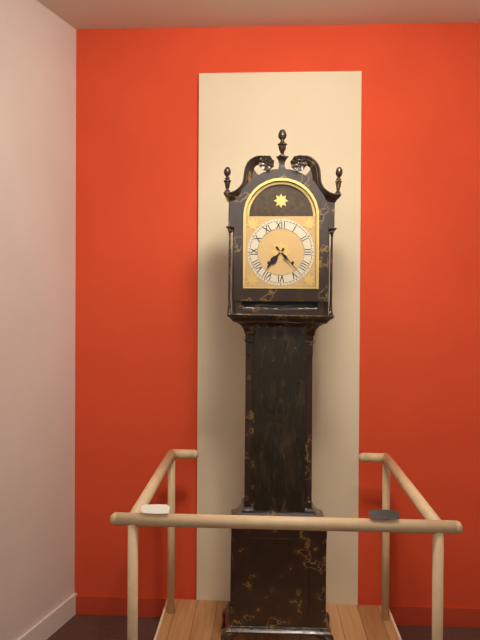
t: 7:23
